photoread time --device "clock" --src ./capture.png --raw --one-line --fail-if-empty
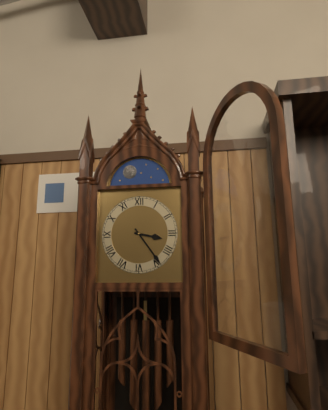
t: 3:24
